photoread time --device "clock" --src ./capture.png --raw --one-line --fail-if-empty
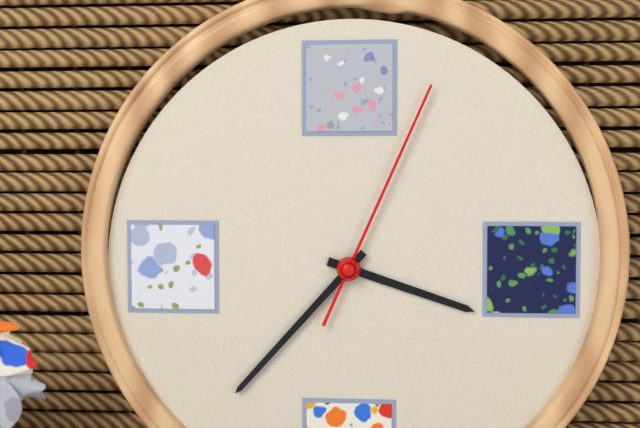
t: 3:37:04
